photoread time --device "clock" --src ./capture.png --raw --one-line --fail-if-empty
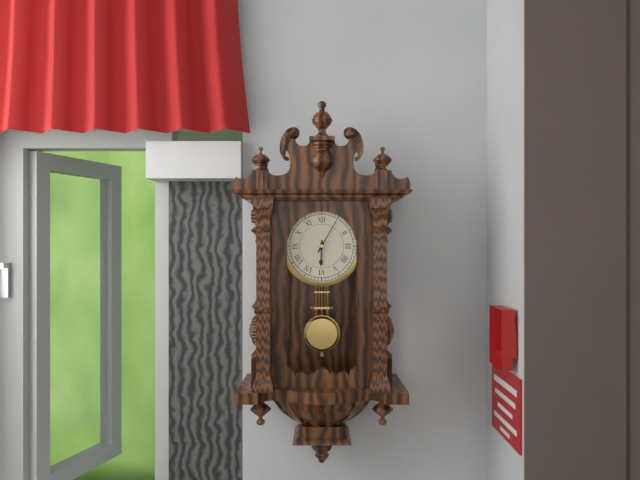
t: 6:05
